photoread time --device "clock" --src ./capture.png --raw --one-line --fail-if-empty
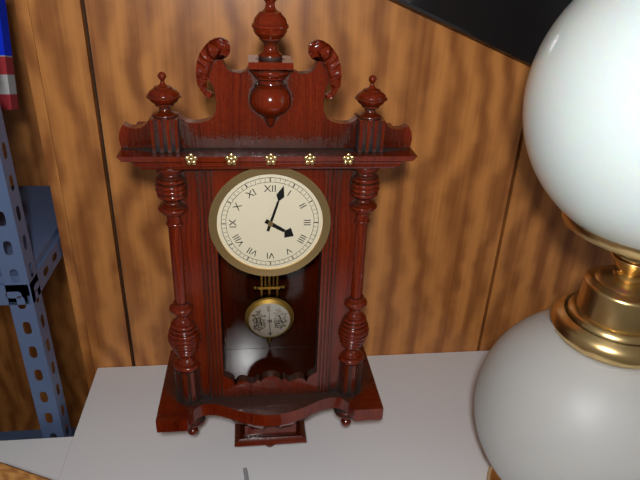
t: 4:03
